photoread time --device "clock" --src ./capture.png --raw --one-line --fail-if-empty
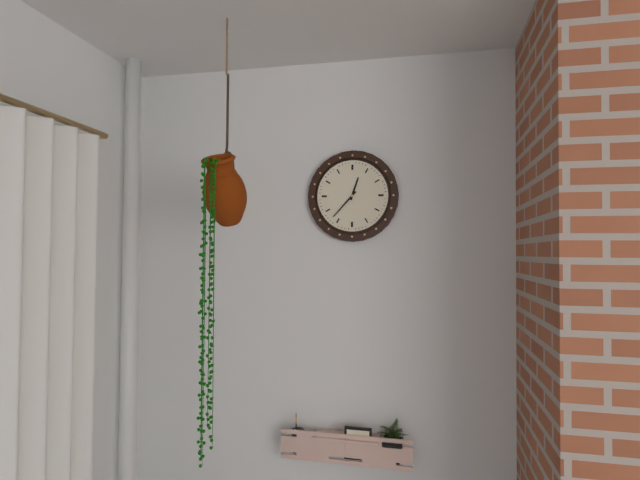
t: 12:37
